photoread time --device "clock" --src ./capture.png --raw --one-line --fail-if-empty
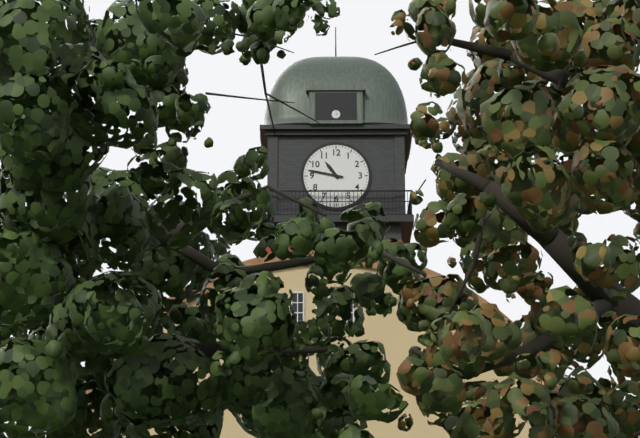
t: 10:47
